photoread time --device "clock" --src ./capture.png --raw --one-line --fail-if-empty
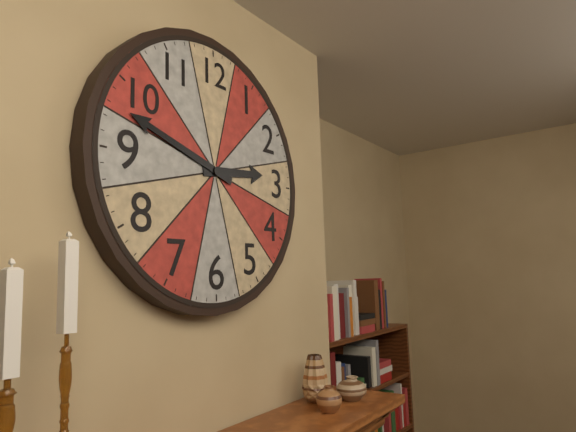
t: 2:48
